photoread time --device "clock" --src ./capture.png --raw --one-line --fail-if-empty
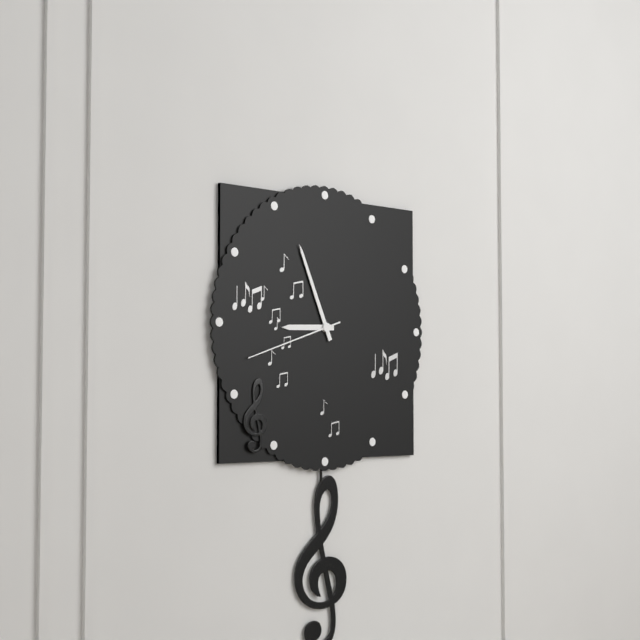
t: 8:56:42
